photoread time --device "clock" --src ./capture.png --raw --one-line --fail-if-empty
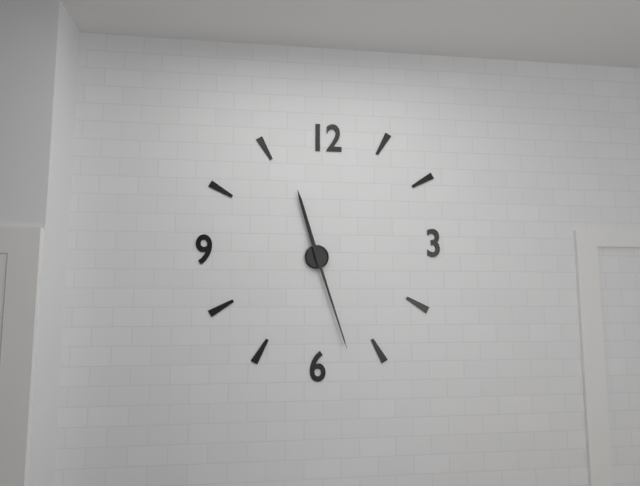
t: 11:27
